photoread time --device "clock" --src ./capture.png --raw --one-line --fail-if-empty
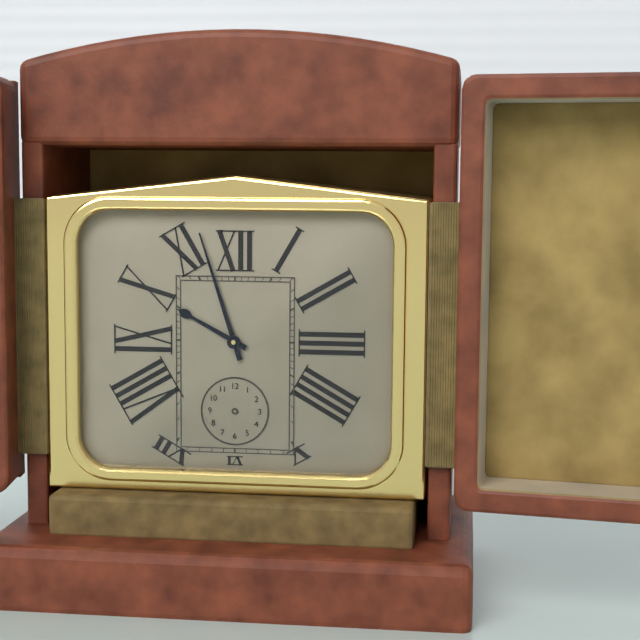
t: 9:57
